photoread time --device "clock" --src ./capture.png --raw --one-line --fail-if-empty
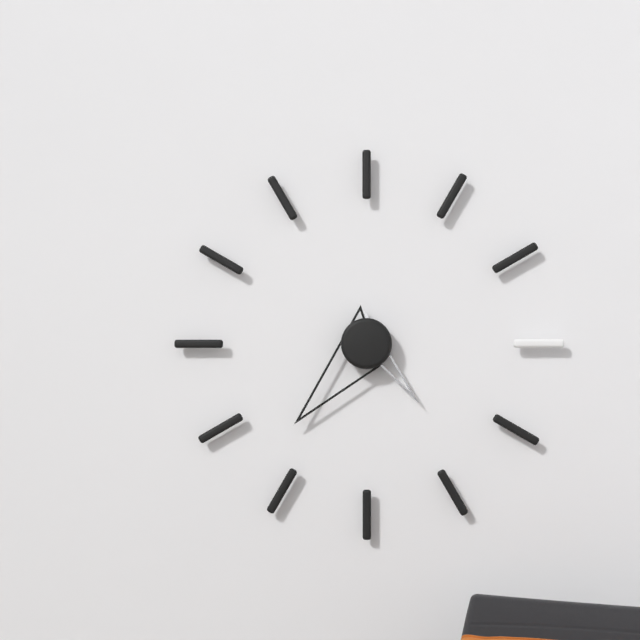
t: 4:37
